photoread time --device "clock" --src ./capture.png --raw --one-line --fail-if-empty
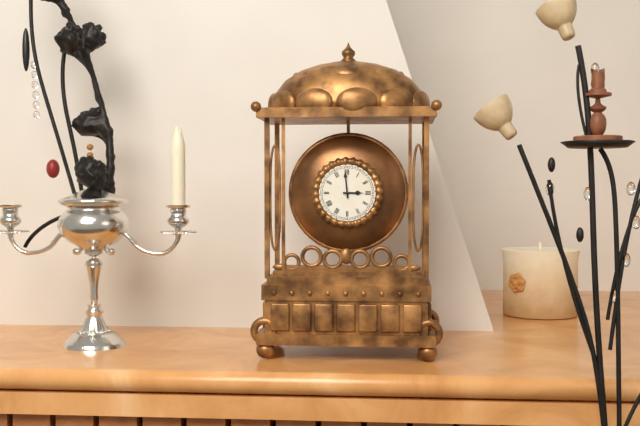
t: 2:59
